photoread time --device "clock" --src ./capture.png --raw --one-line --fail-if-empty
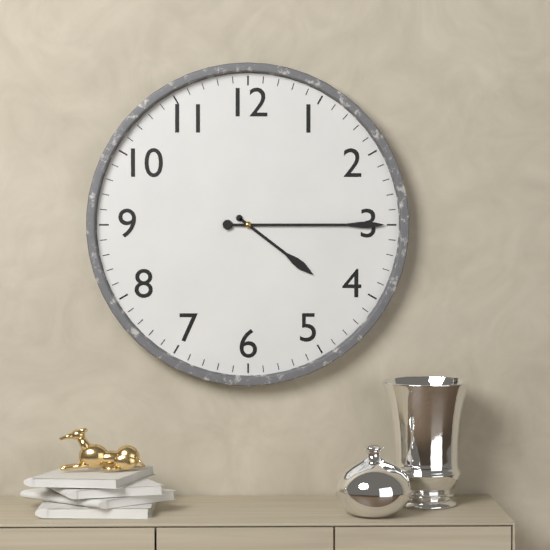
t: 4:15
